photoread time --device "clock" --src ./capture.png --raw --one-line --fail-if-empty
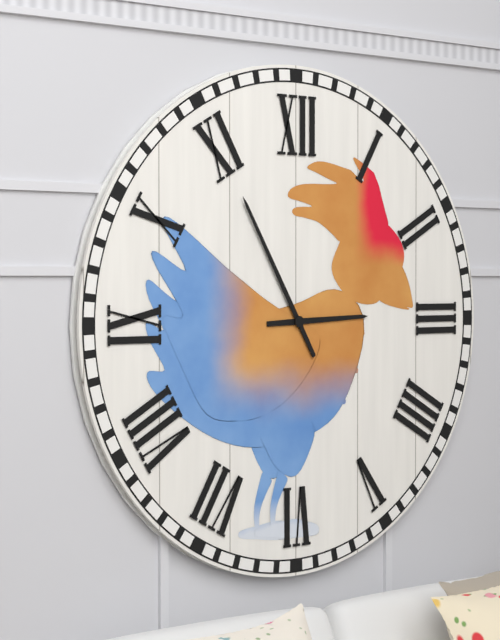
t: 2:55
